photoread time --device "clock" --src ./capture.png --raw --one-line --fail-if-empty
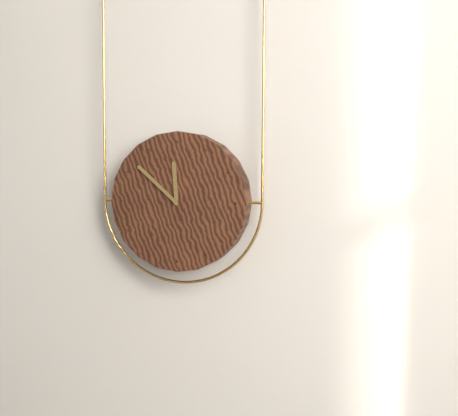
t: 11:52
